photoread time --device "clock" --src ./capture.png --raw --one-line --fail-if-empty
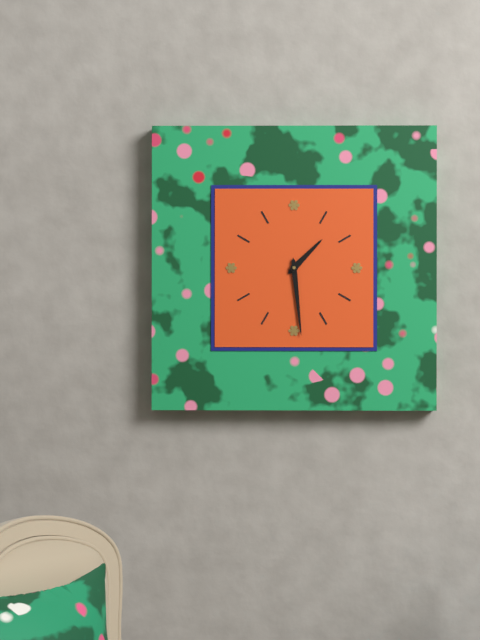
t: 1:29
